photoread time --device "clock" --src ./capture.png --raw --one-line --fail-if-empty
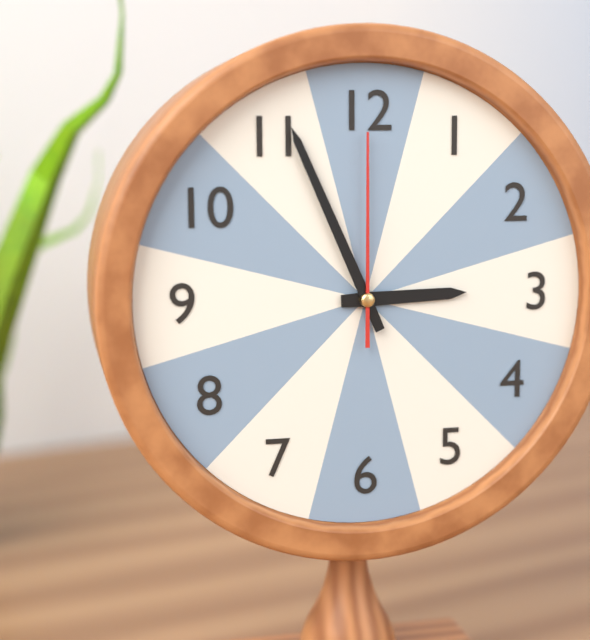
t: 2:56:00
